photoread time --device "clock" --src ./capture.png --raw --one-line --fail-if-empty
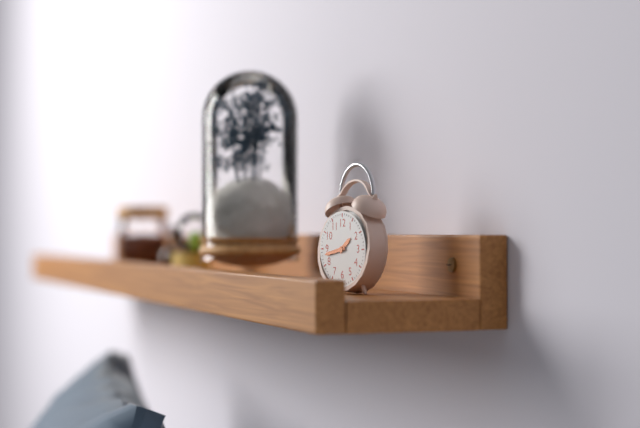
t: 1:43
